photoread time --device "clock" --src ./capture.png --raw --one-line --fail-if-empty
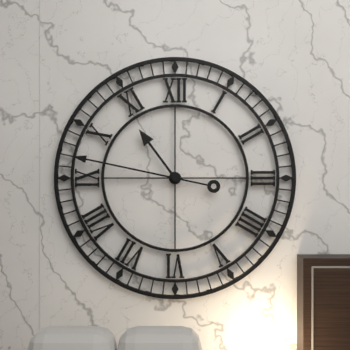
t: 10:47
